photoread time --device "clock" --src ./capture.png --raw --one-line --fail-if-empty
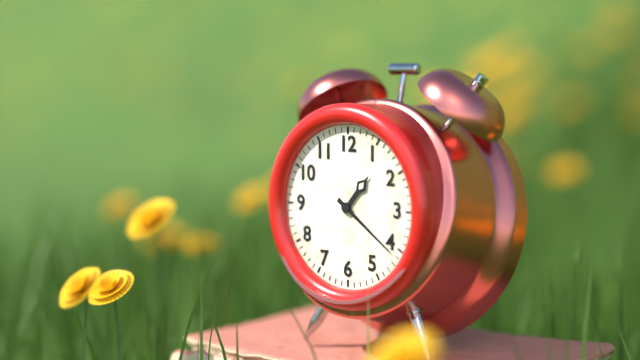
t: 1:21
